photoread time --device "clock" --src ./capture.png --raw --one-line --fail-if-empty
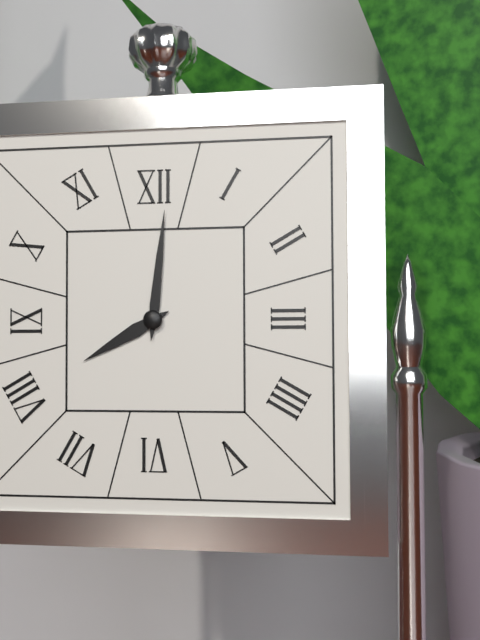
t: 8:01
